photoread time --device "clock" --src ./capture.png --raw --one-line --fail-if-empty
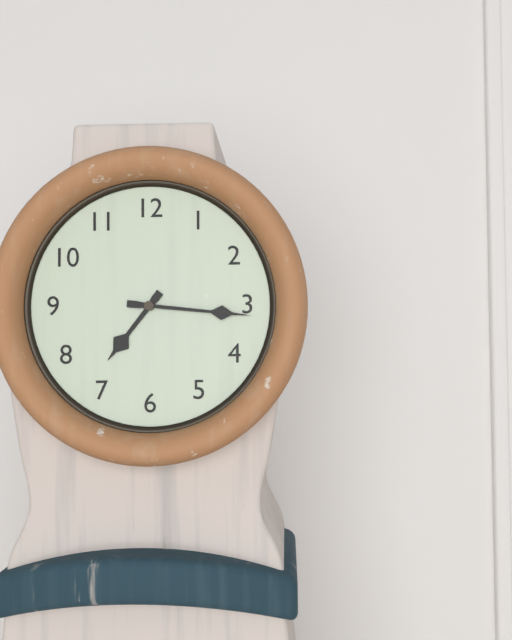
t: 7:16
